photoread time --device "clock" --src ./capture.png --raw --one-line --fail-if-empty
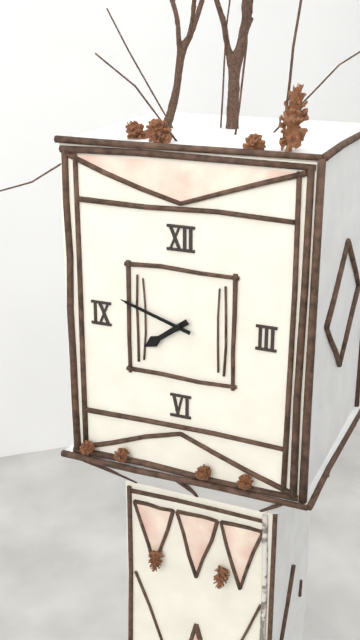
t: 7:48
